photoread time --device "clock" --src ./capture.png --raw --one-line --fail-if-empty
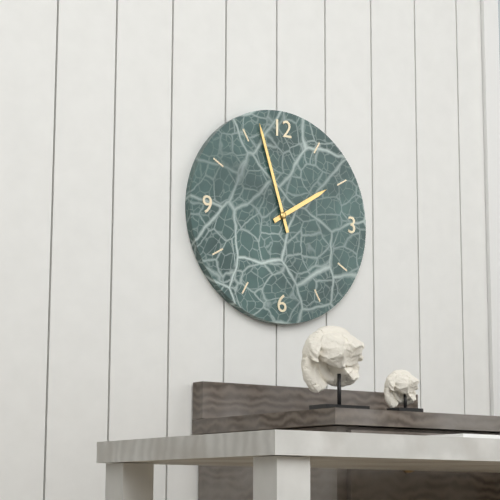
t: 1:57
